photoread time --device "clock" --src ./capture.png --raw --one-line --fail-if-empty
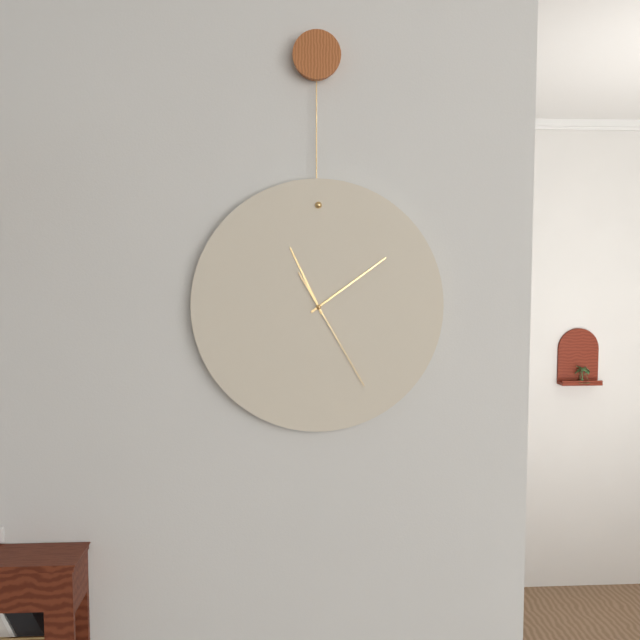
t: 11:09:25
